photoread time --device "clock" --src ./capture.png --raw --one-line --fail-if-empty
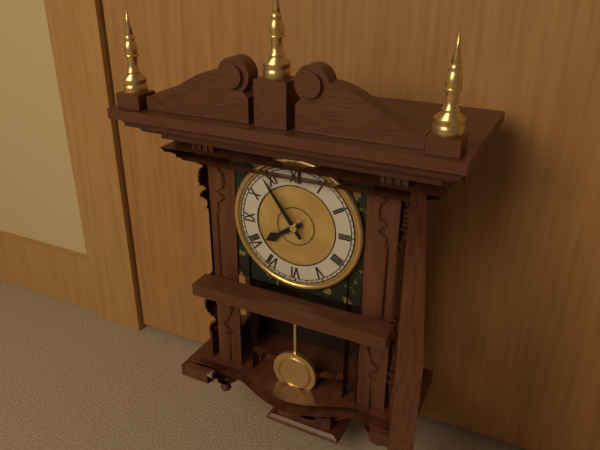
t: 7:54
